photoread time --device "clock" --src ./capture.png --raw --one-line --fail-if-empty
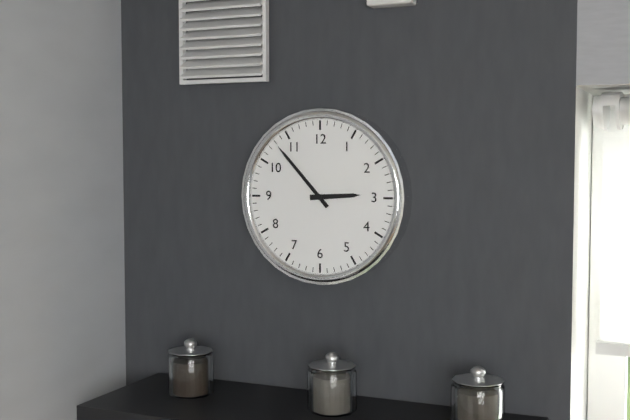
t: 2:53
